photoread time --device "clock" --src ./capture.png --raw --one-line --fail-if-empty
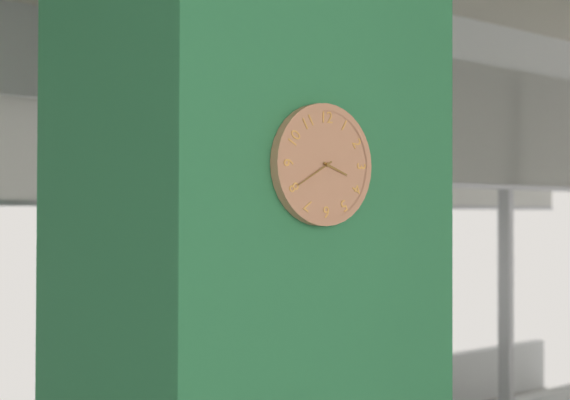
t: 3:40
